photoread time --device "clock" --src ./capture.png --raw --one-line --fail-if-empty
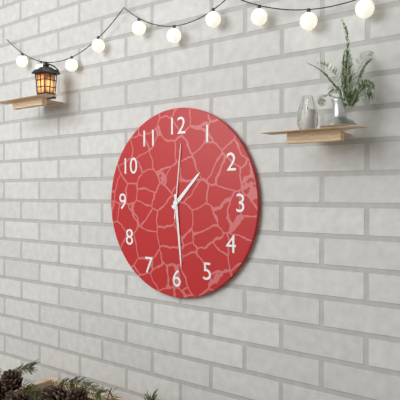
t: 1:29:01
